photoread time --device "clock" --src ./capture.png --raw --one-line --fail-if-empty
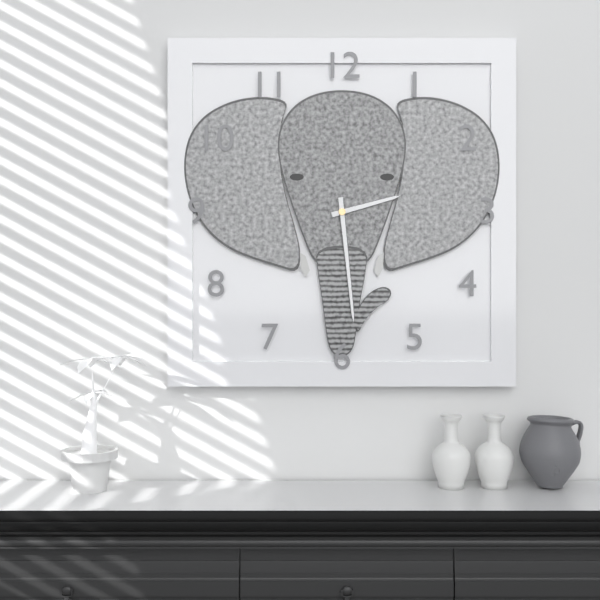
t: 2:29
